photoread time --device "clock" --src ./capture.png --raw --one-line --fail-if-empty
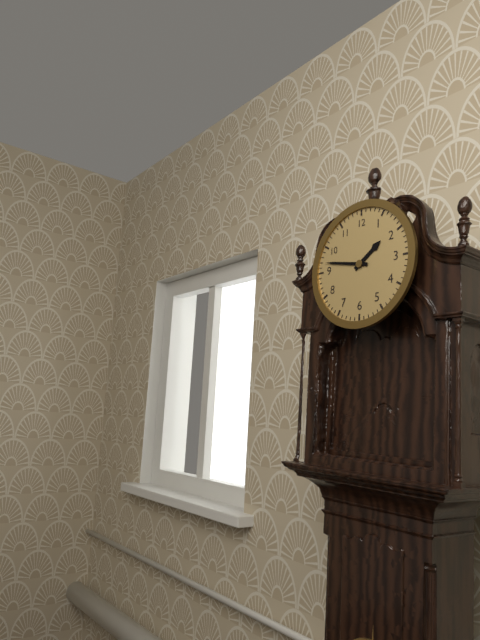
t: 1:47
